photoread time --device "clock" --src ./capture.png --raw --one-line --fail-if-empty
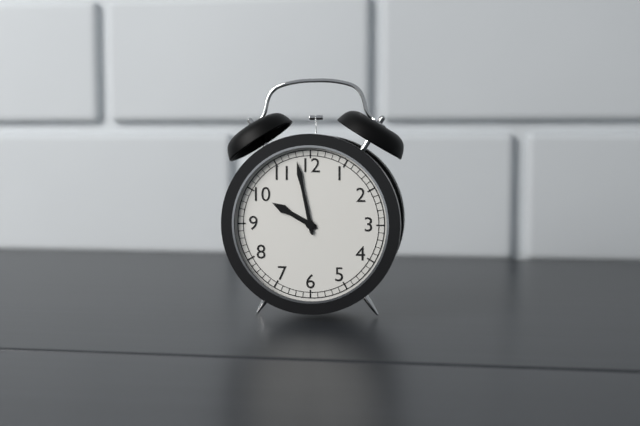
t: 9:58
